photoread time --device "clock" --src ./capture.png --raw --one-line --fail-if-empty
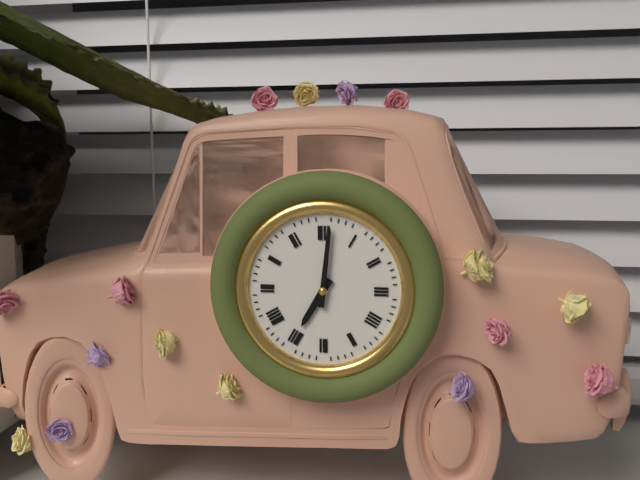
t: 7:01
